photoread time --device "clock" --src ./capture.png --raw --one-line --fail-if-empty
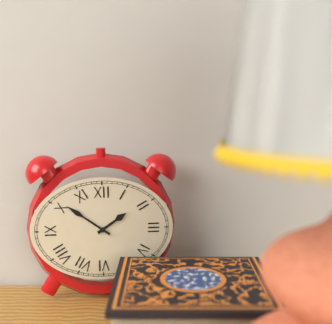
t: 1:51
